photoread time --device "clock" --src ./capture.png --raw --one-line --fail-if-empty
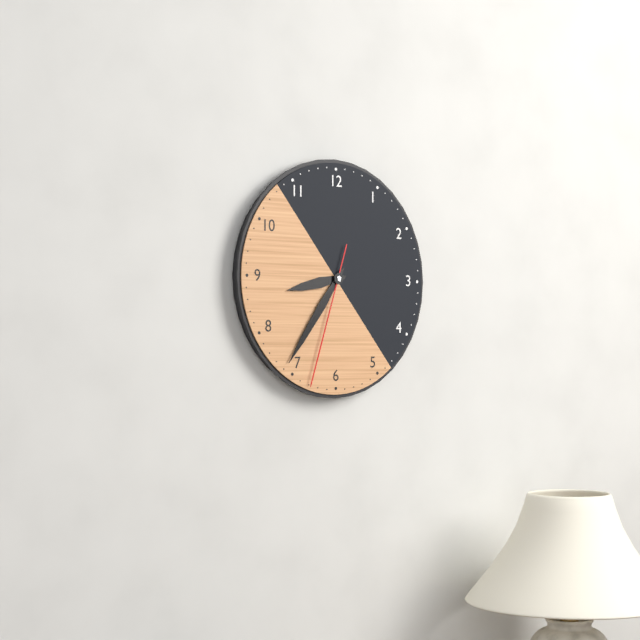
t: 8:36:33
